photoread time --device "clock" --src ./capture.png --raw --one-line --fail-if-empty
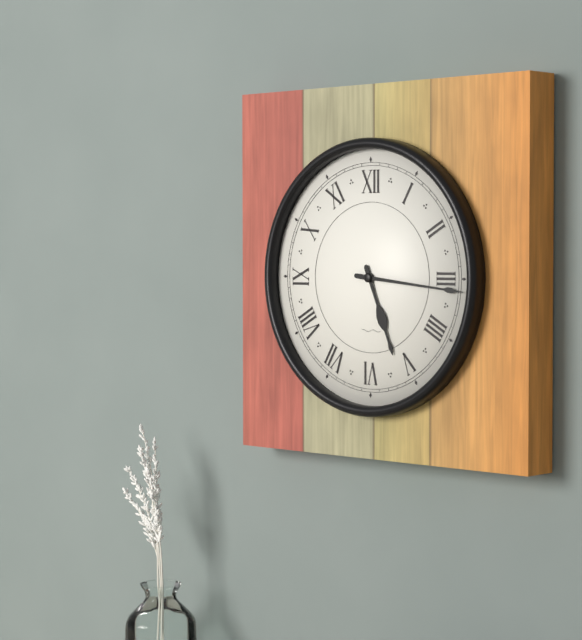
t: 5:16
